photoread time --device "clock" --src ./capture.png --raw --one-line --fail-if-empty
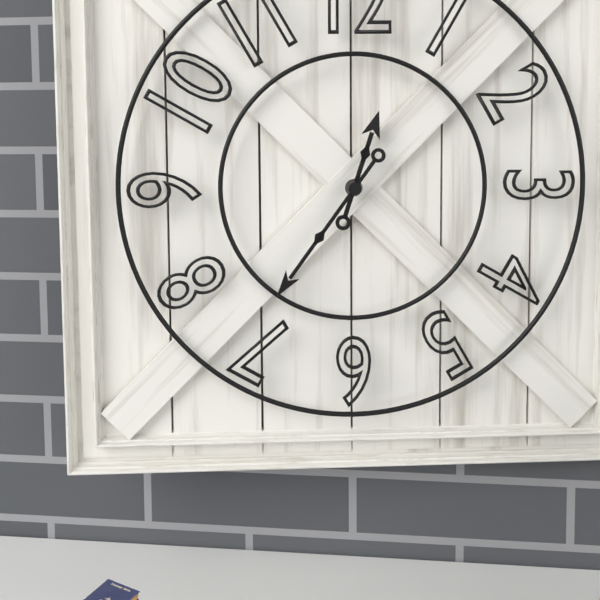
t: 12:36
